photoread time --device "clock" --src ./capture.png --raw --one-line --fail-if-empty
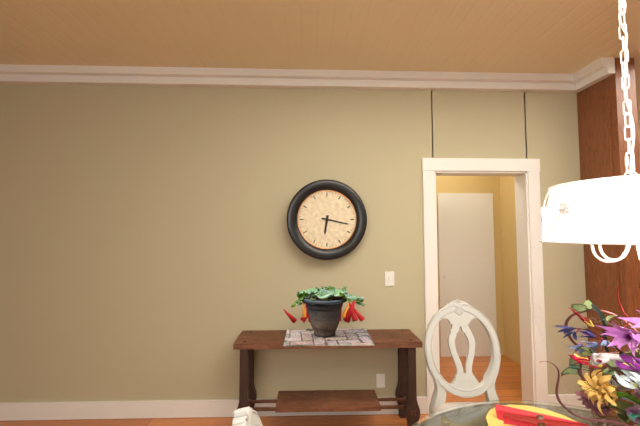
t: 6:17
